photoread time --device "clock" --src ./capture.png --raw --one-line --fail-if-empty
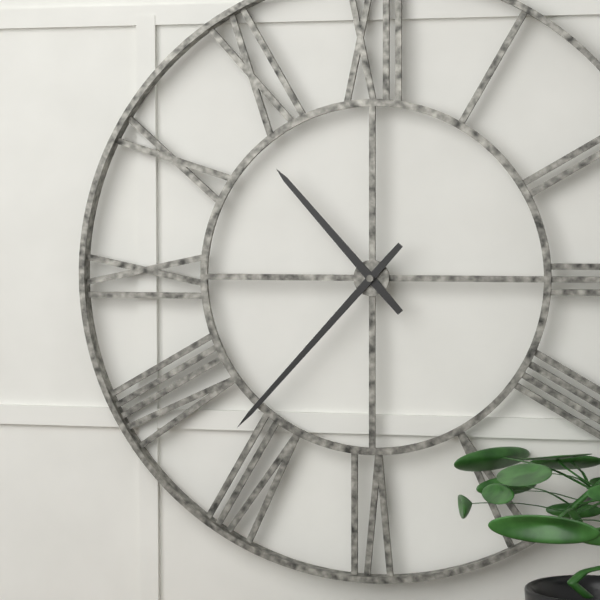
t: 10:37
